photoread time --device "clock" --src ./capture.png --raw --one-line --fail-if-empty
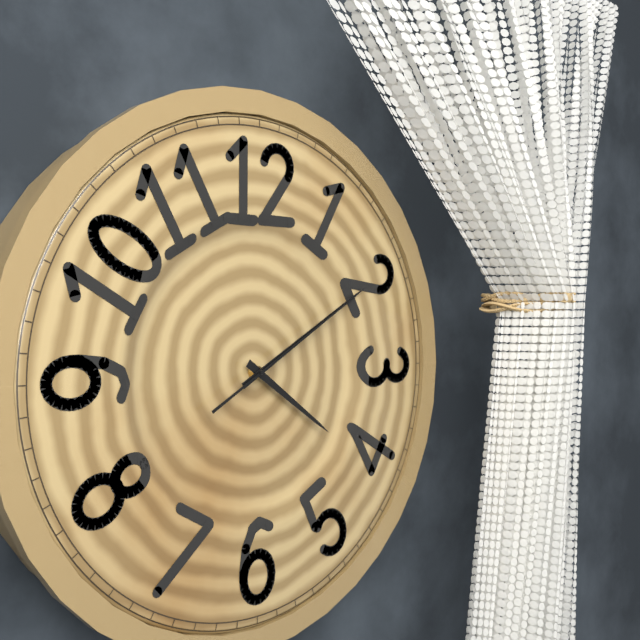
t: 4:10:10
